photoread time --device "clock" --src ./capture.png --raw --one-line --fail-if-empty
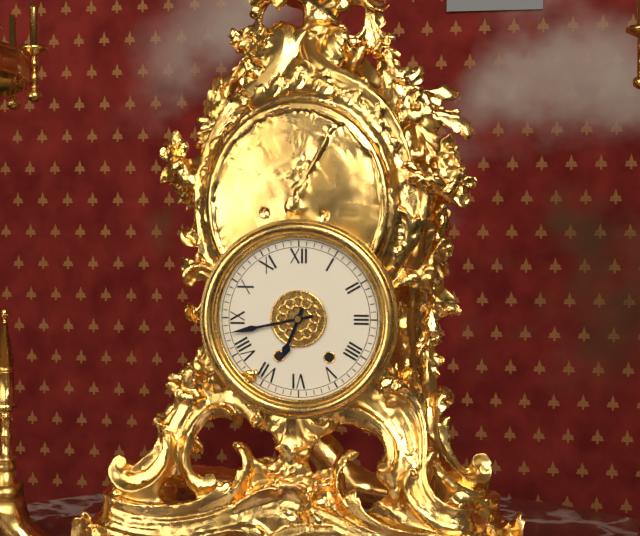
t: 6:43
